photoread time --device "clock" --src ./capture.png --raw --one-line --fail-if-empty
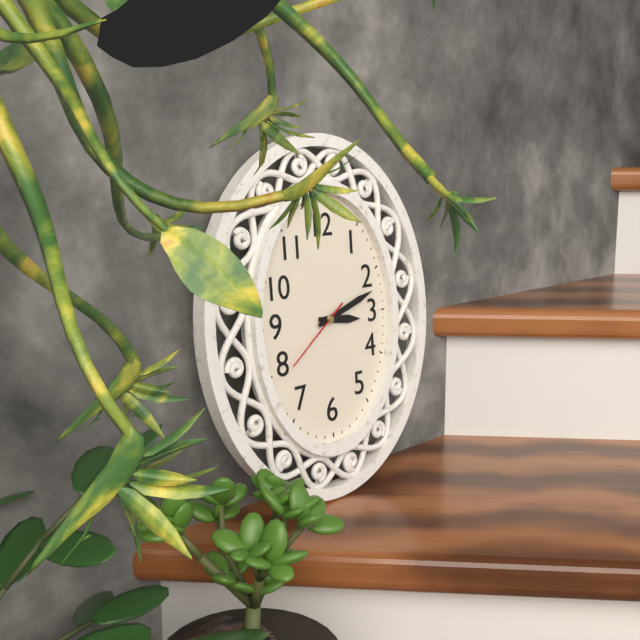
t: 3:12:39
